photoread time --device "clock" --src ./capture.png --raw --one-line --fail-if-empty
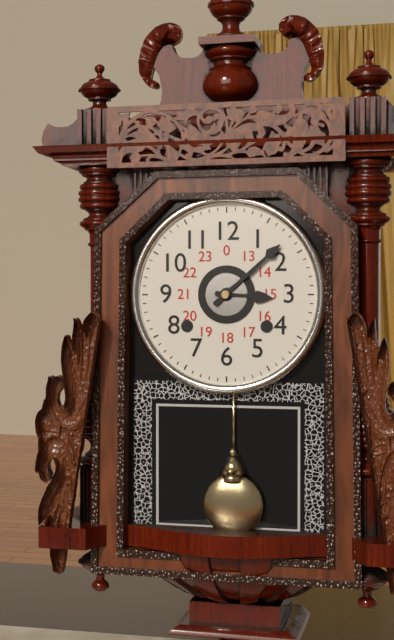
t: 3:08
